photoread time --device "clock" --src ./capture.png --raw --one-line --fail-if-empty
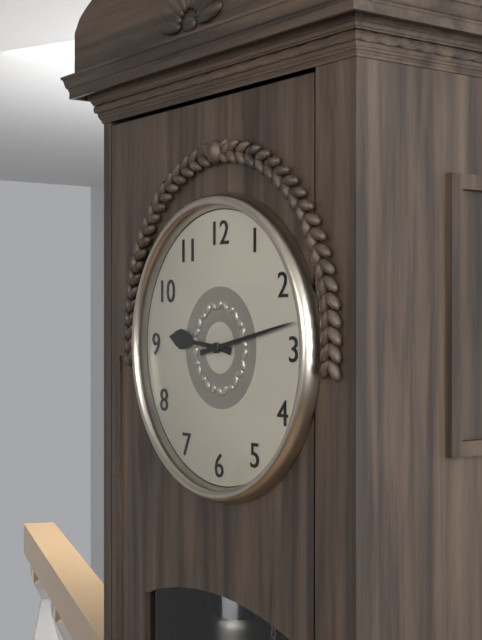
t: 9:13
